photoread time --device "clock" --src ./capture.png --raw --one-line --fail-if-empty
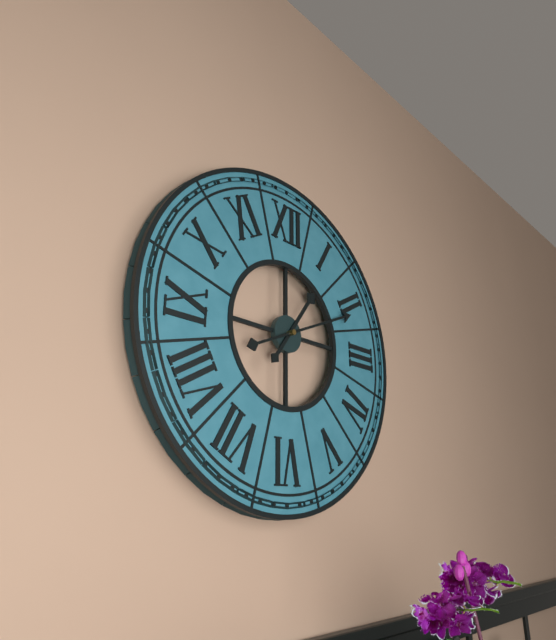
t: 1:11
